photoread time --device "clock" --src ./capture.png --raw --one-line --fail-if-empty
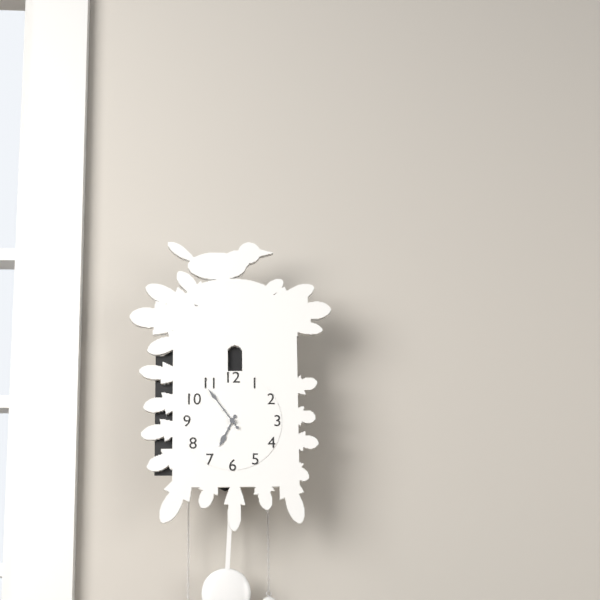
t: 6:54
